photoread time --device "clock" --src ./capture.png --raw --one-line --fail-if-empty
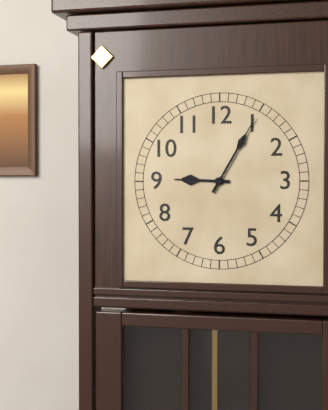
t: 9:05
